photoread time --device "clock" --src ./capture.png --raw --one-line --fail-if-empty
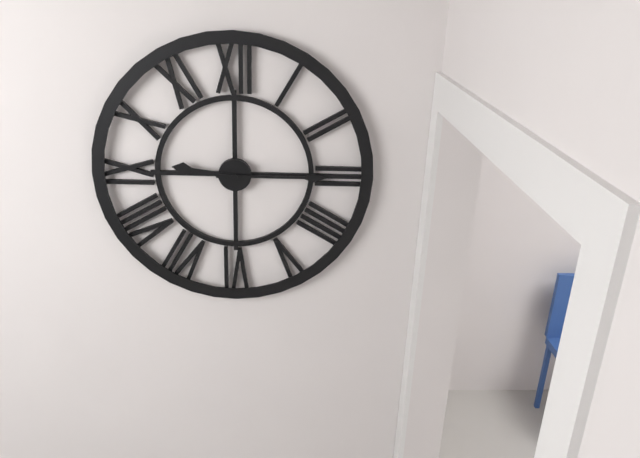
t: 9:15
